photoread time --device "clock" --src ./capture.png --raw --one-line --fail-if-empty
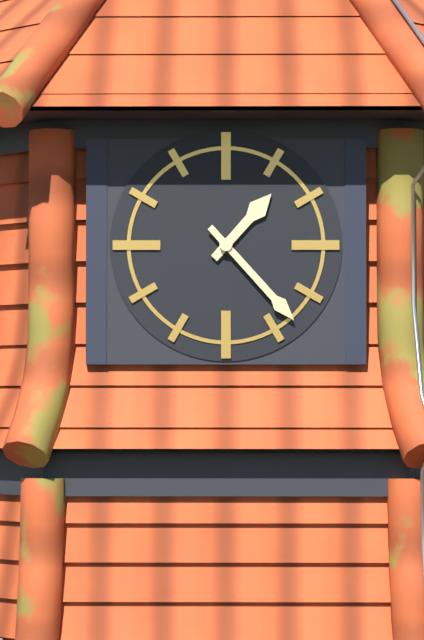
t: 1:23
